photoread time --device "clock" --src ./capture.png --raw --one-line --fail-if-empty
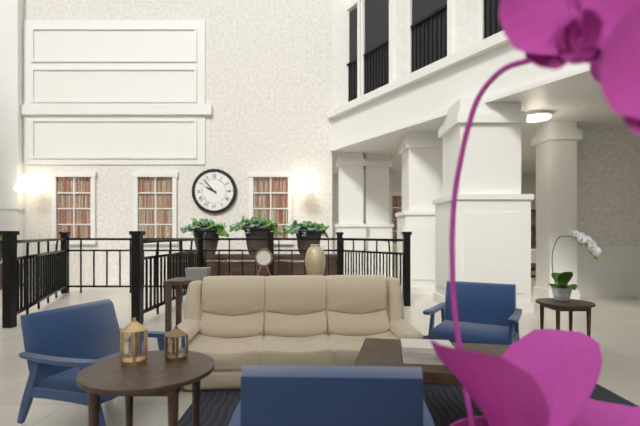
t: 9:53
